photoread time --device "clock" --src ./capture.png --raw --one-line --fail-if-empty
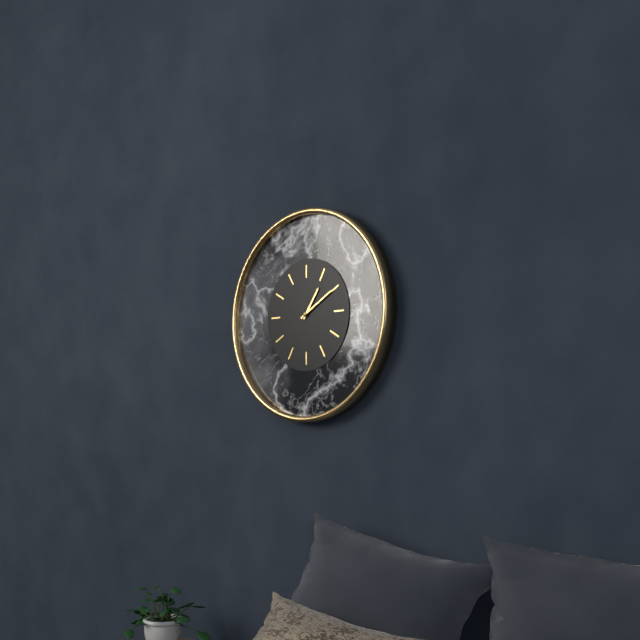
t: 1:10
